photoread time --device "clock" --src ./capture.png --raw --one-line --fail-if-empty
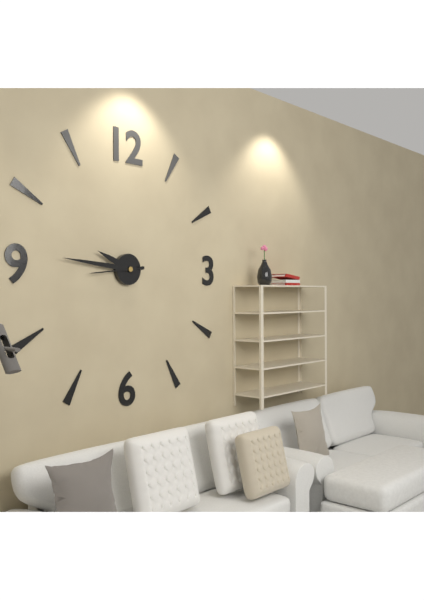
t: 9:46
